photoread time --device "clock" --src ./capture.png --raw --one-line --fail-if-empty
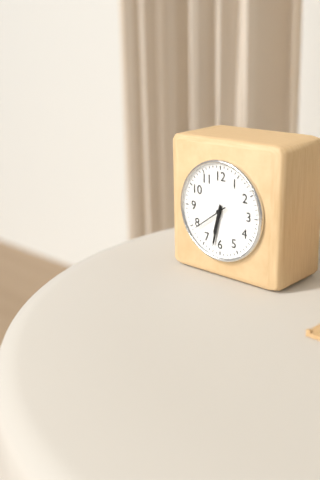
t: 6:32
